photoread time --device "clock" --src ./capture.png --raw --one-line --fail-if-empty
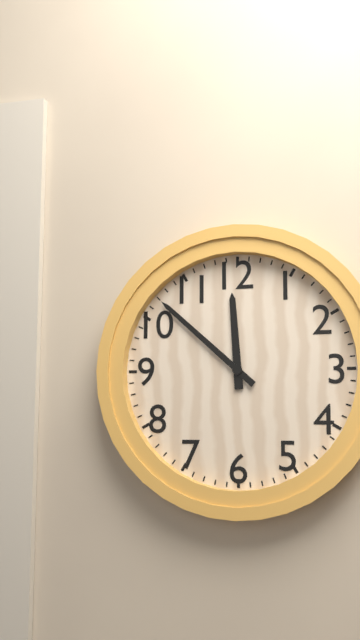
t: 11:52
